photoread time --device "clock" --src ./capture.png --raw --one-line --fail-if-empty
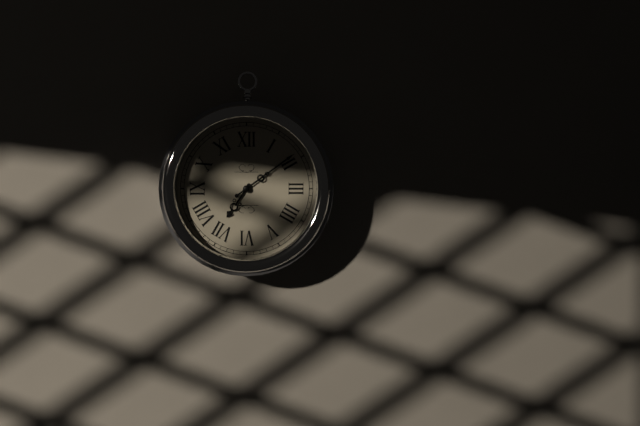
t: 7:09
